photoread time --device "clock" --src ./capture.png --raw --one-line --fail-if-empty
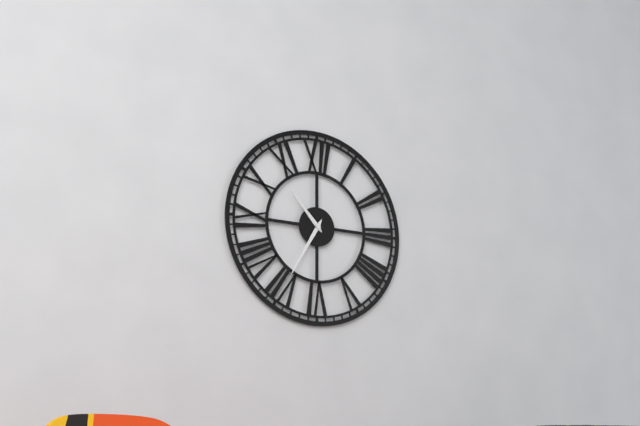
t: 10:35
